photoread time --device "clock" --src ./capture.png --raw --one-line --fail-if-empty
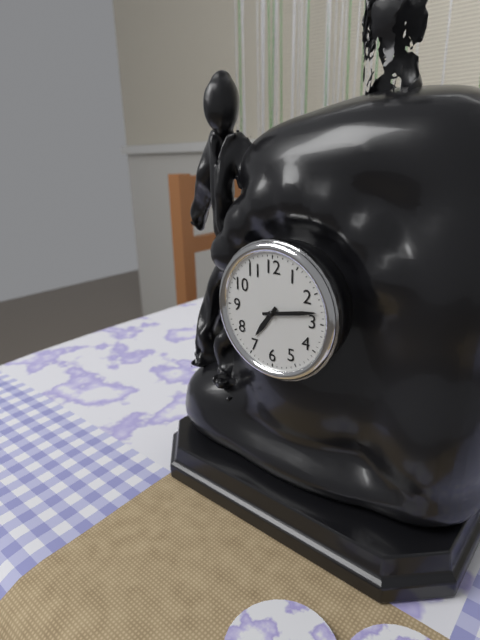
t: 7:13
